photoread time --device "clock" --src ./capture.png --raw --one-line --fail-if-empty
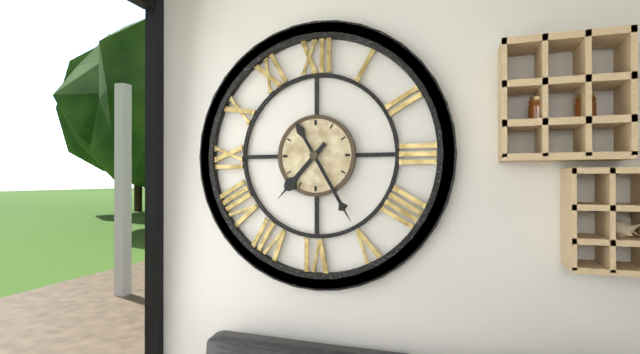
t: 7:25
